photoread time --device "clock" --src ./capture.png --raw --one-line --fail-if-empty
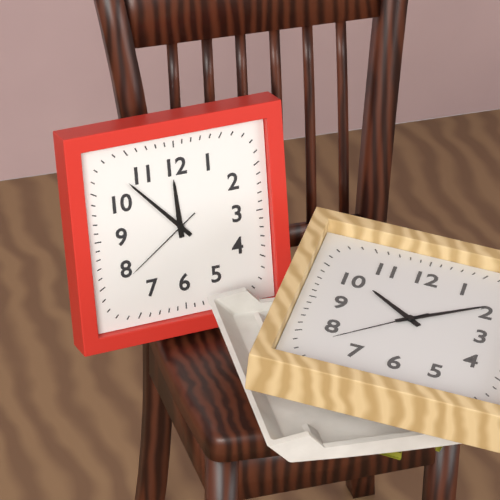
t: 11:53:39
